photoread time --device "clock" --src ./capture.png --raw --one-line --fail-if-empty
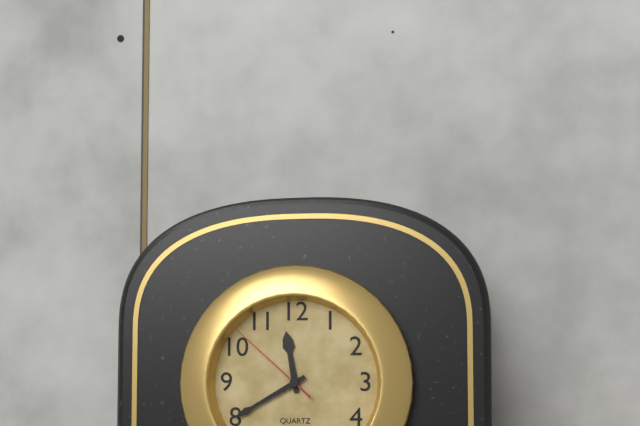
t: 11:40:52
